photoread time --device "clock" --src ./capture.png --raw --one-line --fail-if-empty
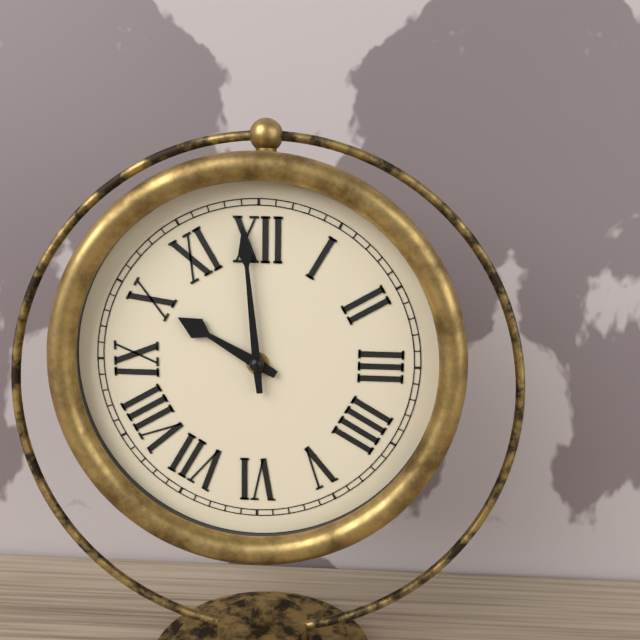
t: 9:59
